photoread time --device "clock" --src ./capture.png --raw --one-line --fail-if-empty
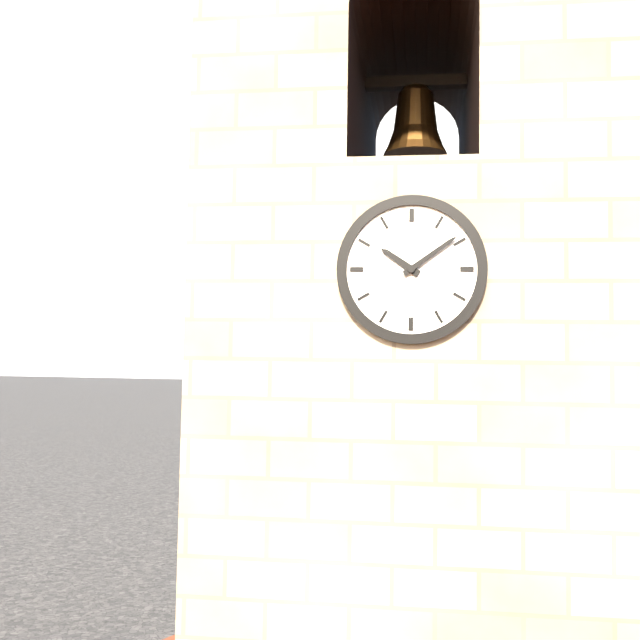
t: 10:09
